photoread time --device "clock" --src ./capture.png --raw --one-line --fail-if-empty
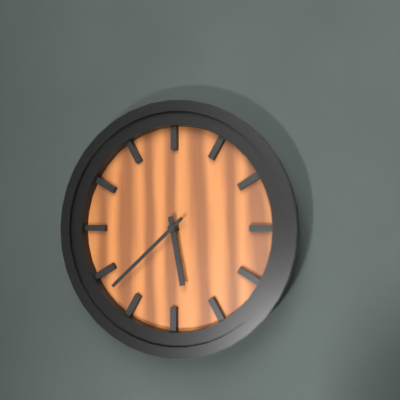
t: 5:38
